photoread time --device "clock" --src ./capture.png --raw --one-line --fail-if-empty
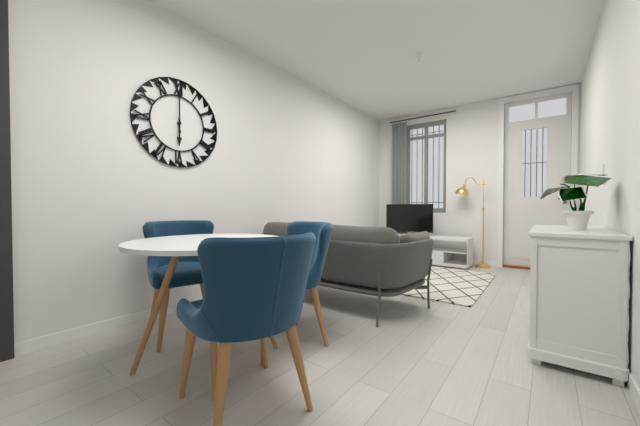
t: 6:00
